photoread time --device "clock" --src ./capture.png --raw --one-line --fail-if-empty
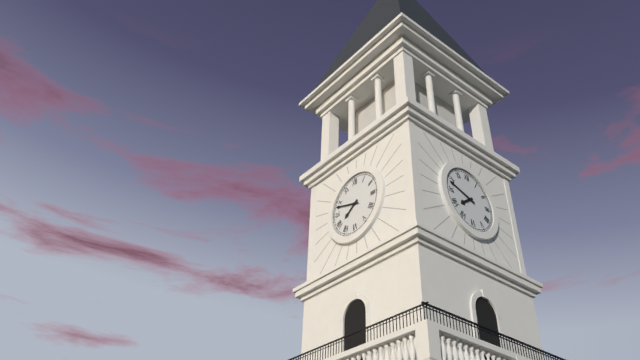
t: 7:48
